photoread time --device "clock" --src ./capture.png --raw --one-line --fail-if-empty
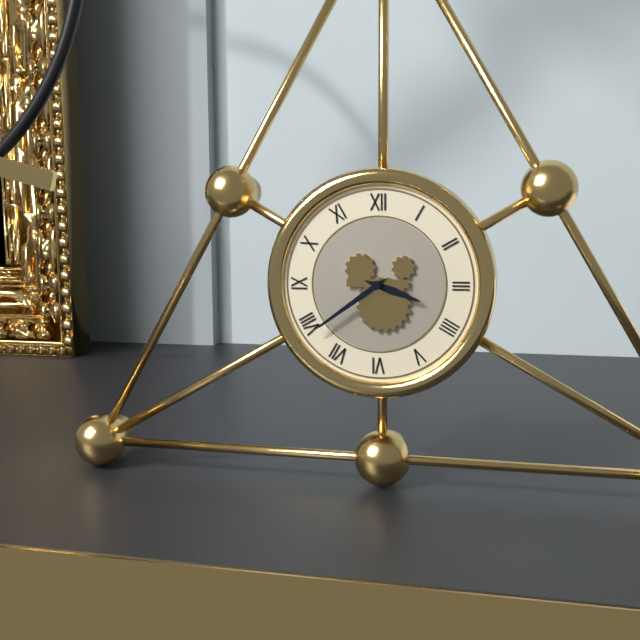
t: 3:39
